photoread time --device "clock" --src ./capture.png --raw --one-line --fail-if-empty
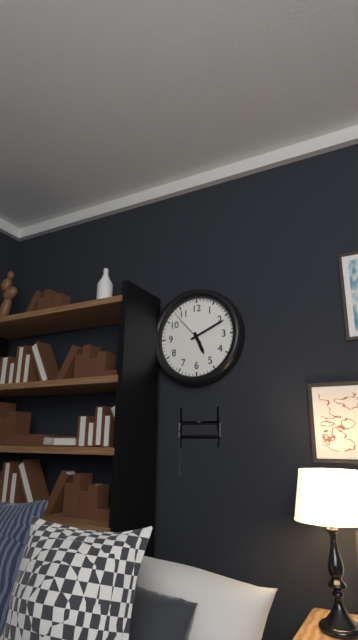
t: 5:11
